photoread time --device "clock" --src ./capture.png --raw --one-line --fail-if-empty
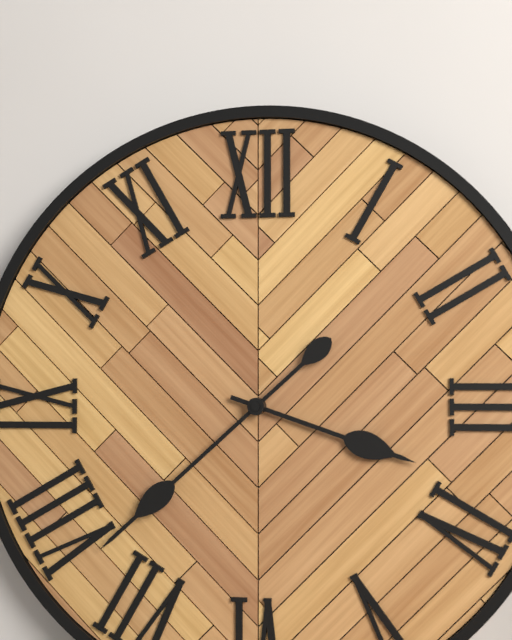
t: 3:38
